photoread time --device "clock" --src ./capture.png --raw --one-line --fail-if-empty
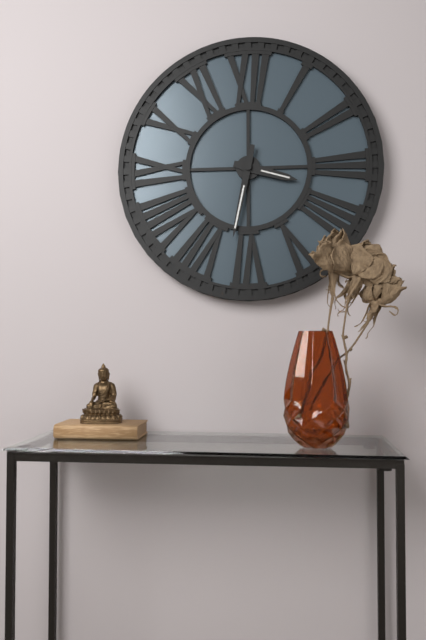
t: 3:32
